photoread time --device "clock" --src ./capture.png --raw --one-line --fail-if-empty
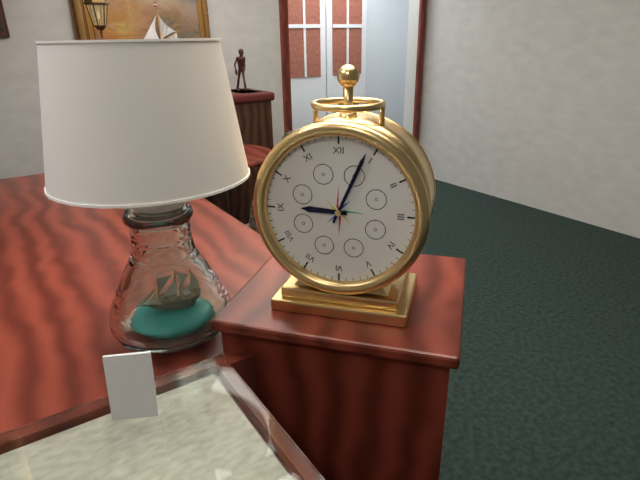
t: 9:04
